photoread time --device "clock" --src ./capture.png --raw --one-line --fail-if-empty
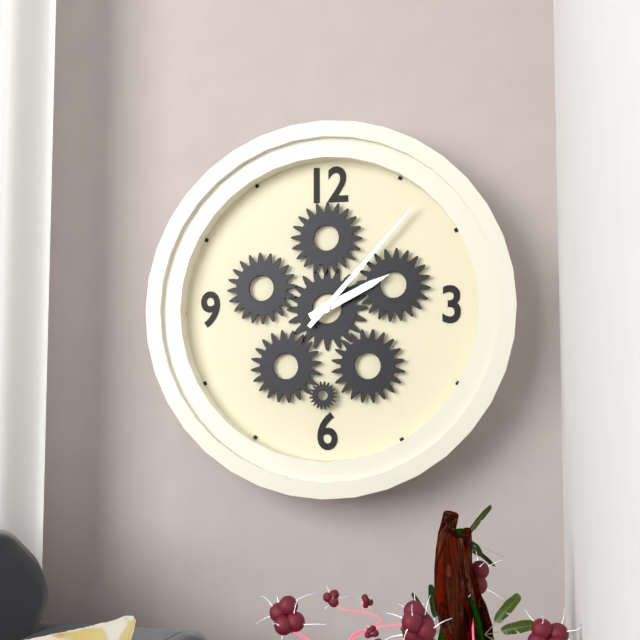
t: 2:07
